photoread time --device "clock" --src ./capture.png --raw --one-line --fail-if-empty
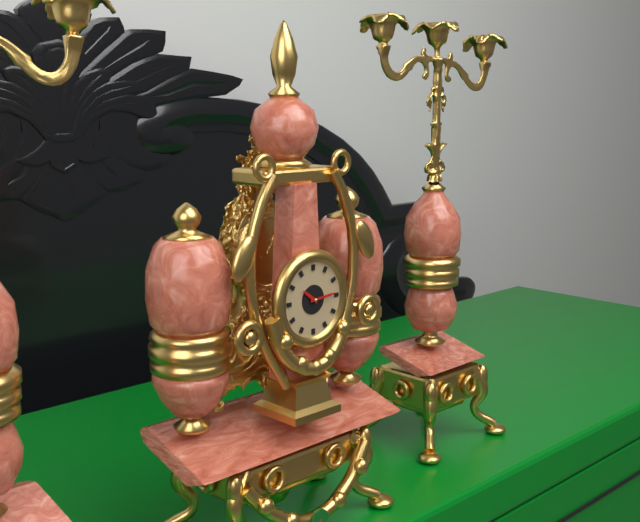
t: 10:14
